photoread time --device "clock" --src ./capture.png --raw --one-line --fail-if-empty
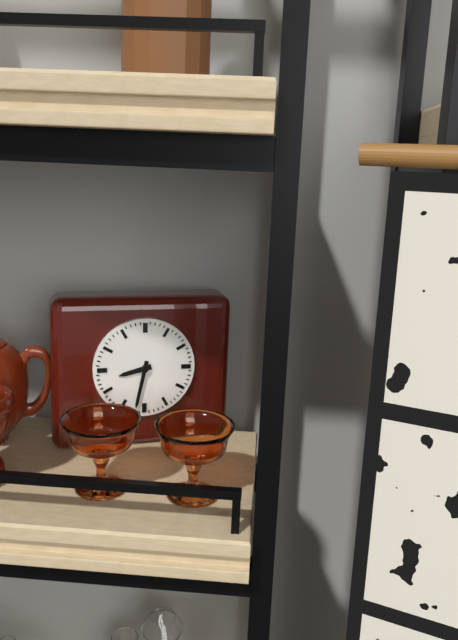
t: 8:32
